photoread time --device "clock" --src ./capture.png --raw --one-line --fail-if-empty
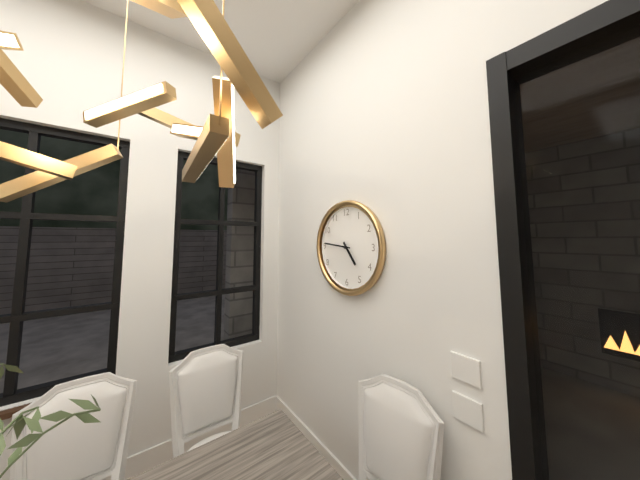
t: 4:46
